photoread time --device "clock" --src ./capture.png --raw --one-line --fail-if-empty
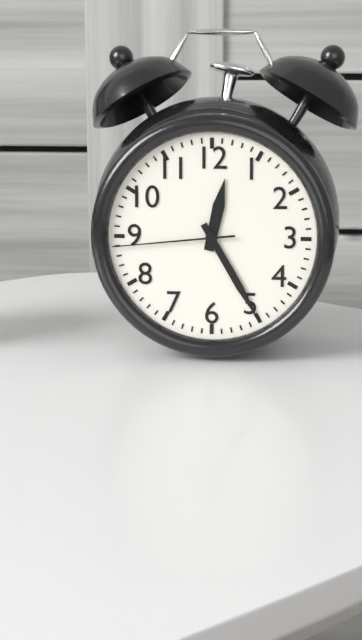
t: 12:25:44
